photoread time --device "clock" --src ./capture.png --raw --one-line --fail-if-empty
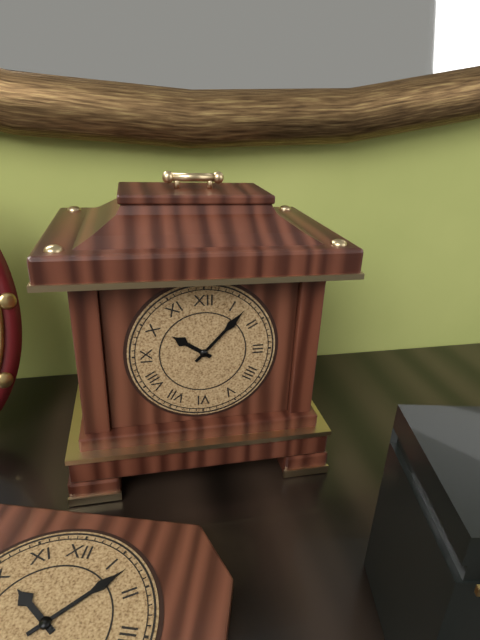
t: 10:07
